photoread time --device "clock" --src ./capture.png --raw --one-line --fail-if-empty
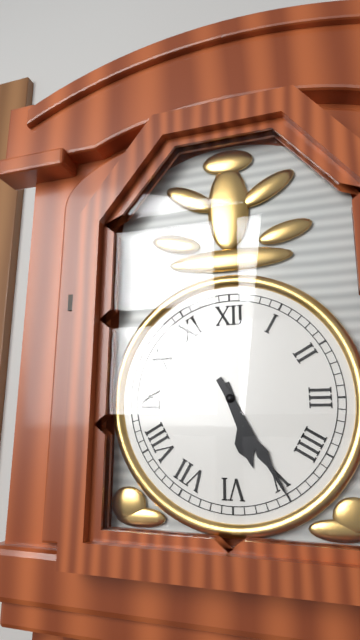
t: 5:25
